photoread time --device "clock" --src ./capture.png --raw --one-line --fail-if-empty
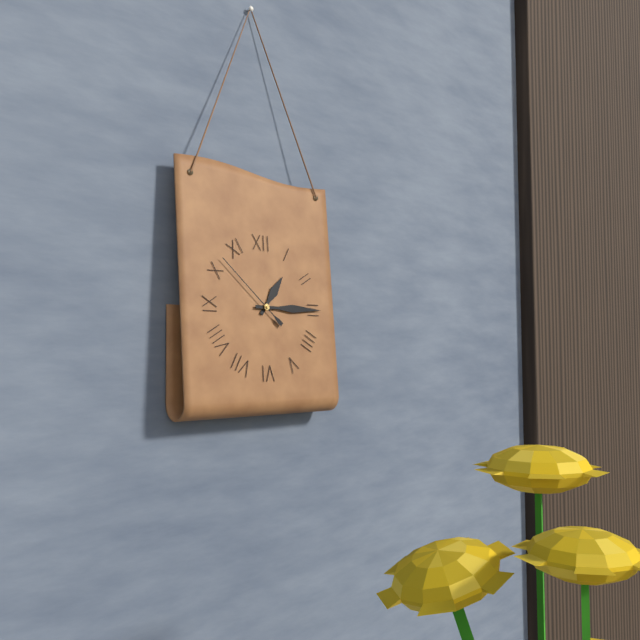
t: 1:15:52
